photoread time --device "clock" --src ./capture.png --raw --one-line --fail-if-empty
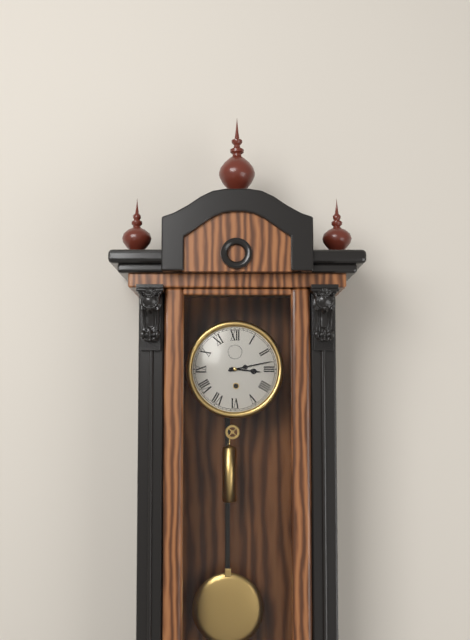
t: 3:13
